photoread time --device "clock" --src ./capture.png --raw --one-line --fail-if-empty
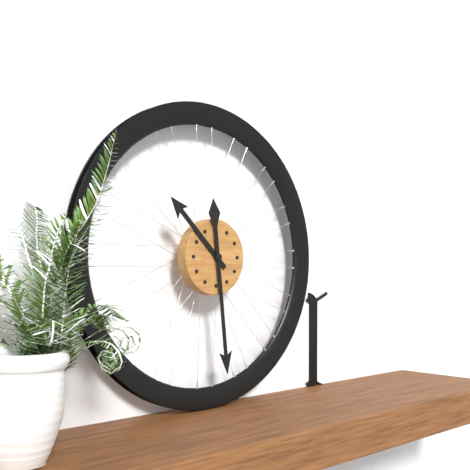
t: 10:29
